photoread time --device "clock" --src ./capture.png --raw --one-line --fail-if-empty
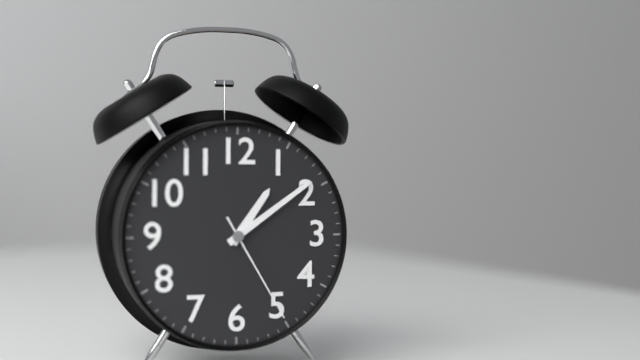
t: 1:09:25
